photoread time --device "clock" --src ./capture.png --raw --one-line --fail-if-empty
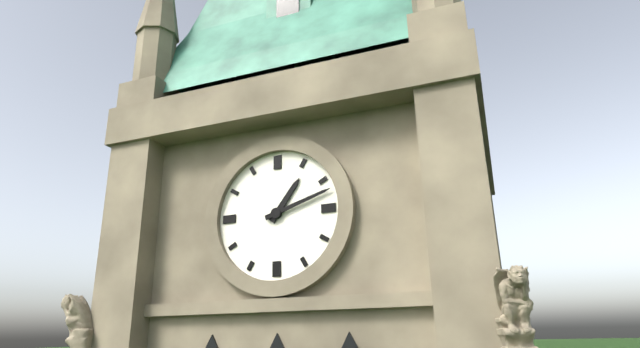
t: 1:12
